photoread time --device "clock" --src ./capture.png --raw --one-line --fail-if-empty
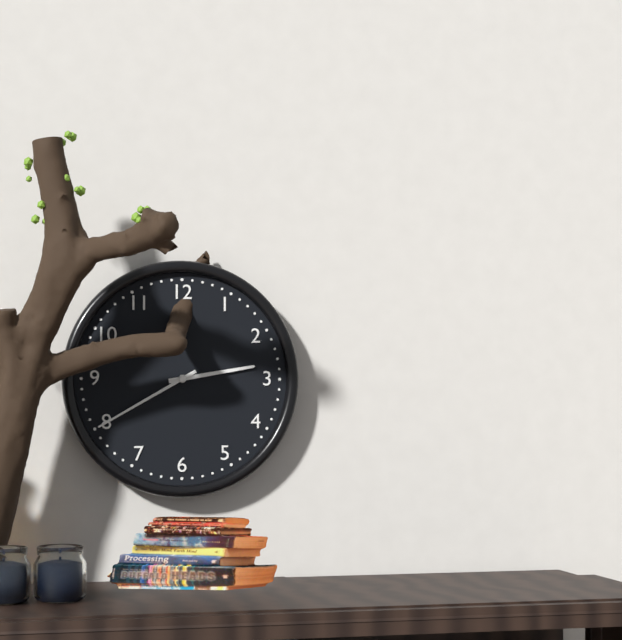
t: 2:40
